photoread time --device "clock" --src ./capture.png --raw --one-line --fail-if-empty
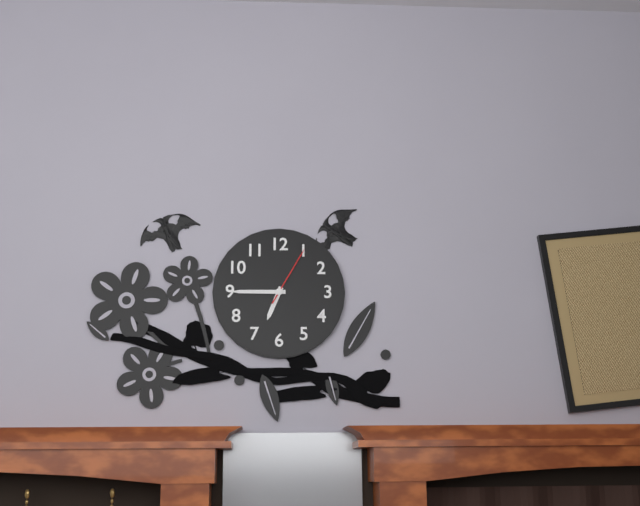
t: 6:45:05
